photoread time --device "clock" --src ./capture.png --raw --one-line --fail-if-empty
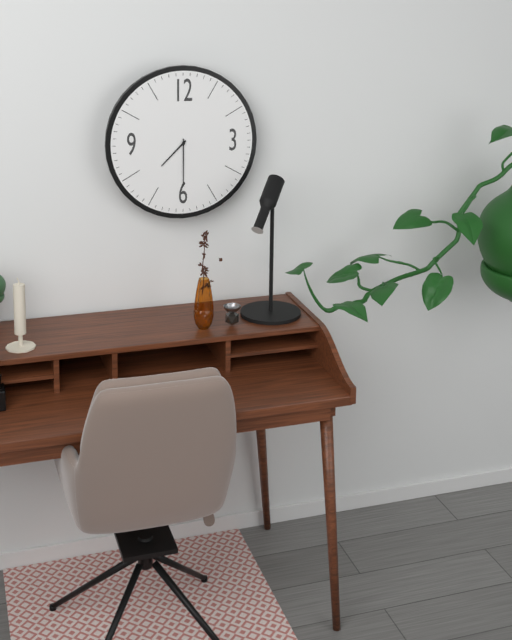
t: 7:30
